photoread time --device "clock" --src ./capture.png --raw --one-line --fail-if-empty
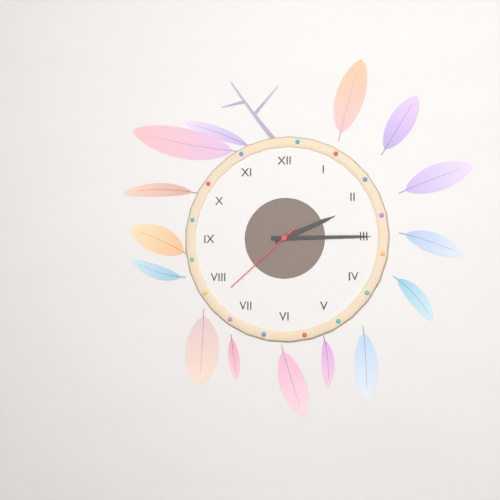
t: 2:15:38
